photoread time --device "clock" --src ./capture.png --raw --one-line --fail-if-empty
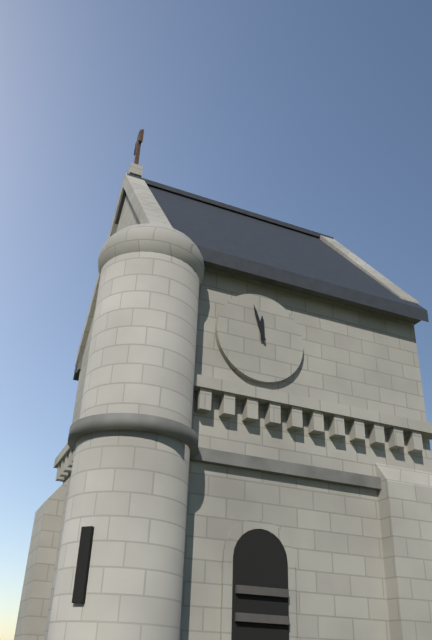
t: 11:57
